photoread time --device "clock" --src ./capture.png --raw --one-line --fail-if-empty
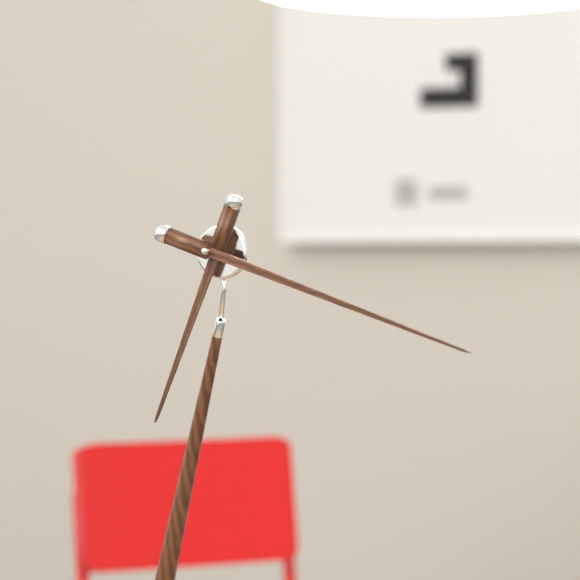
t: 6:16
